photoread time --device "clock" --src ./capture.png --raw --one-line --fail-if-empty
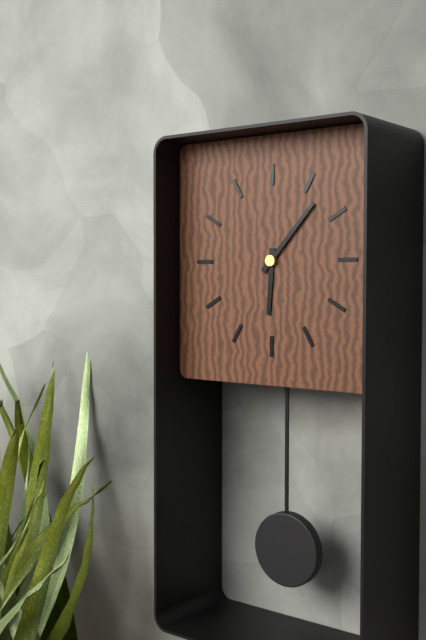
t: 6:07
